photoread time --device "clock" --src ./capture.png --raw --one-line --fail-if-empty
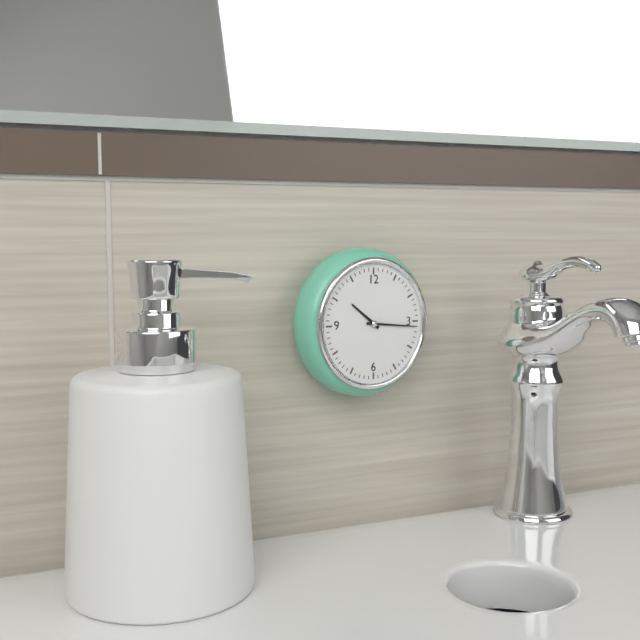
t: 10:16
